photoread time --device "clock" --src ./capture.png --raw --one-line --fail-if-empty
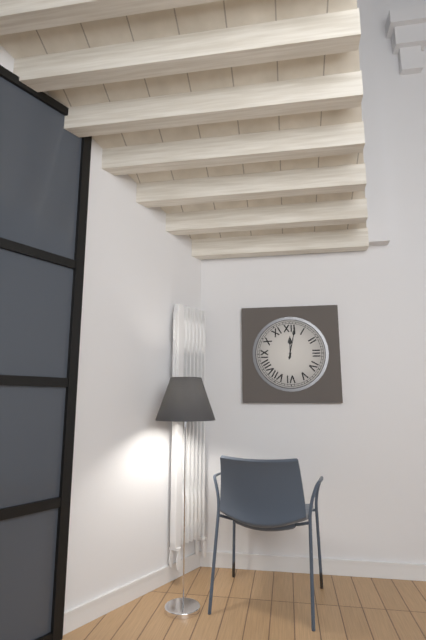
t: 12:02
